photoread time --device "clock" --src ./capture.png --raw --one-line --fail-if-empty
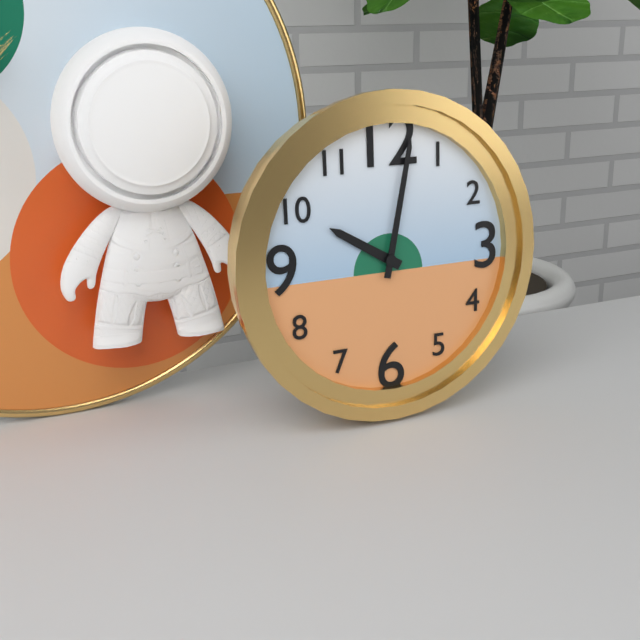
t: 10:02
